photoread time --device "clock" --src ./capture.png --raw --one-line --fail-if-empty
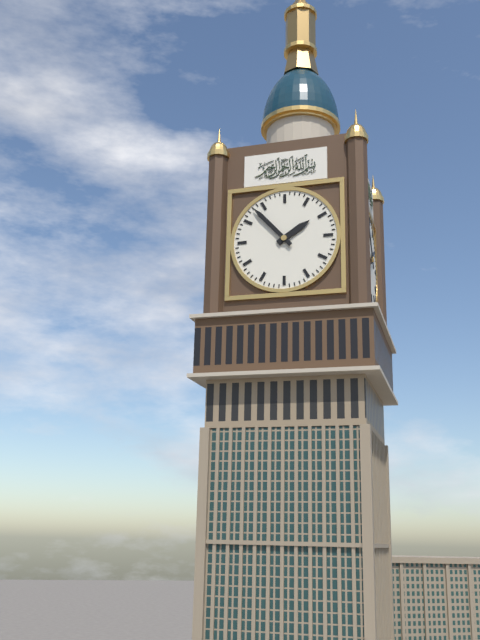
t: 1:53
